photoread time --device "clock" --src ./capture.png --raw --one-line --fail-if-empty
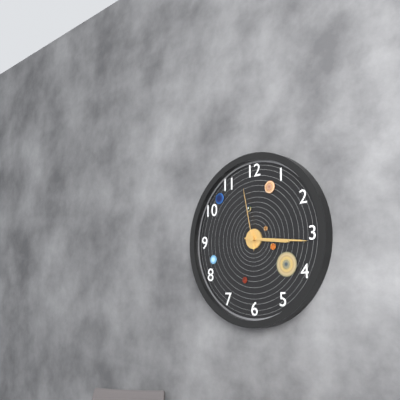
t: 3:16:58
